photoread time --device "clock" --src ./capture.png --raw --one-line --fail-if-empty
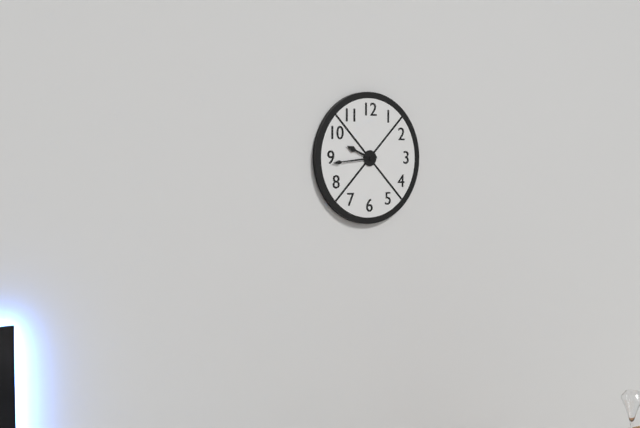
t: 9:44
